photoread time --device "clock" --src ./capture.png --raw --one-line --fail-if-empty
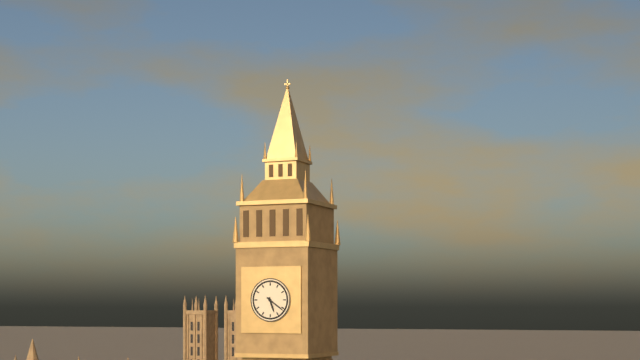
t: 5:21
